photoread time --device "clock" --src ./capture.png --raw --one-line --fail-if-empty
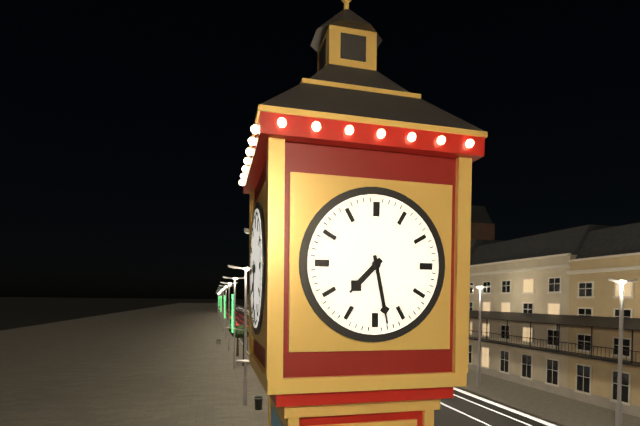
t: 7:28
